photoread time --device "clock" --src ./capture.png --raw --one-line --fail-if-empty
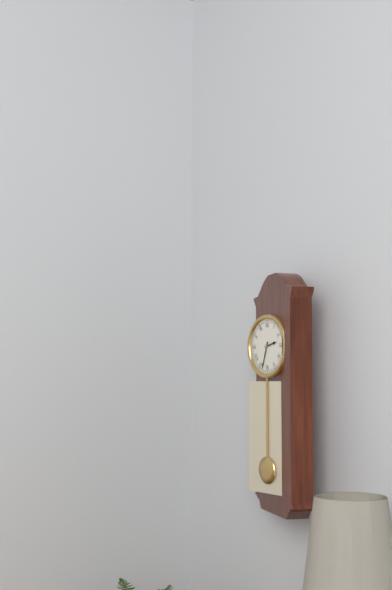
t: 2:33
